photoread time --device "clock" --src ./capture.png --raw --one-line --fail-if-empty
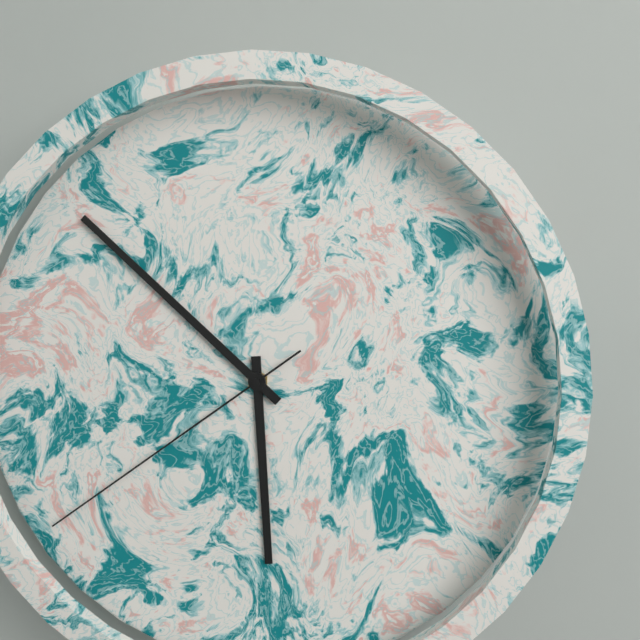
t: 5:52:39
